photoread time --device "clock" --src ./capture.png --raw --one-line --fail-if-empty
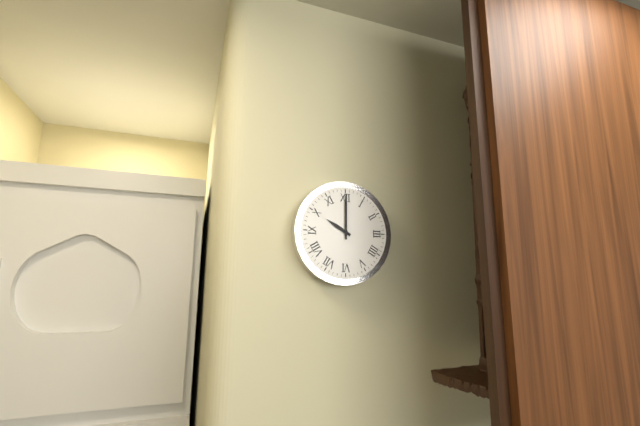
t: 10:00
